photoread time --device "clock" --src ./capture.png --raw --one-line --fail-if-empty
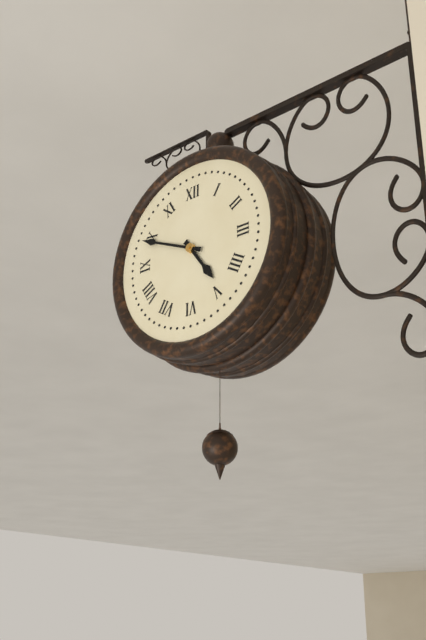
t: 4:49
